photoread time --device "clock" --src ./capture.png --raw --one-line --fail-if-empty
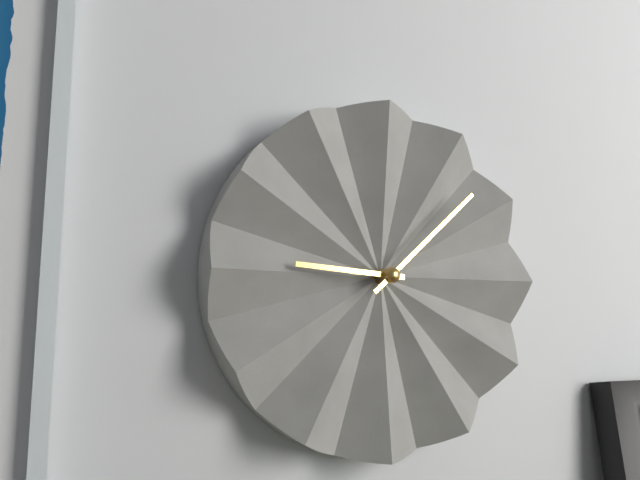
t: 9:08
